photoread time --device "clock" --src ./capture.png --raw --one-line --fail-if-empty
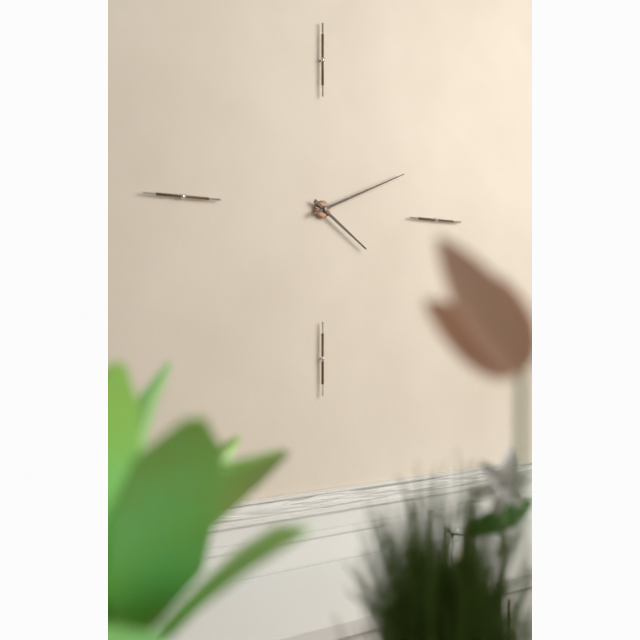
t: 4:11
